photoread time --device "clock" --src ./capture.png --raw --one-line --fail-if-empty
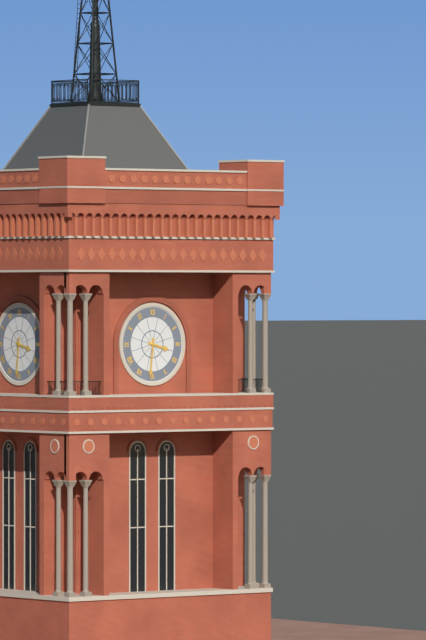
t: 3:31
